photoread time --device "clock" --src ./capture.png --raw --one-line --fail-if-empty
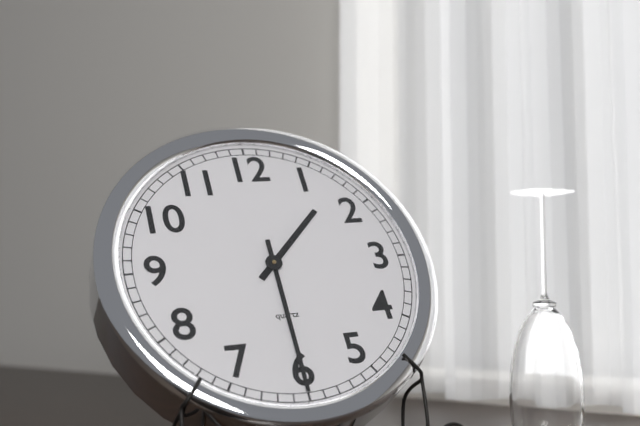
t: 1:30
